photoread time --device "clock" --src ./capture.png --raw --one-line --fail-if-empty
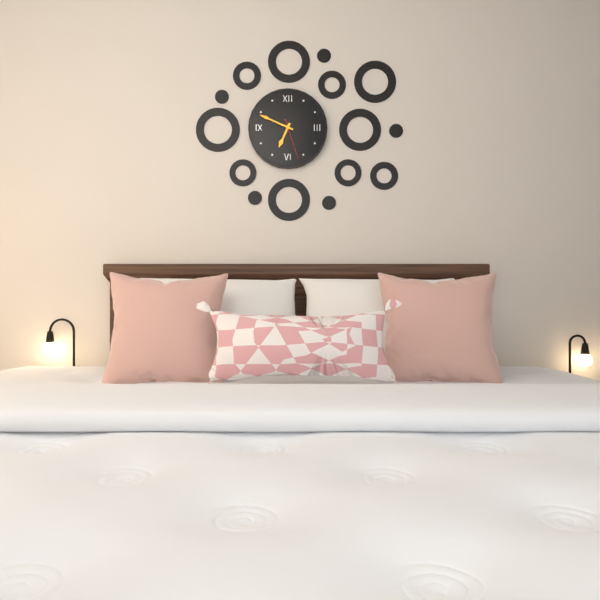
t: 6:49
